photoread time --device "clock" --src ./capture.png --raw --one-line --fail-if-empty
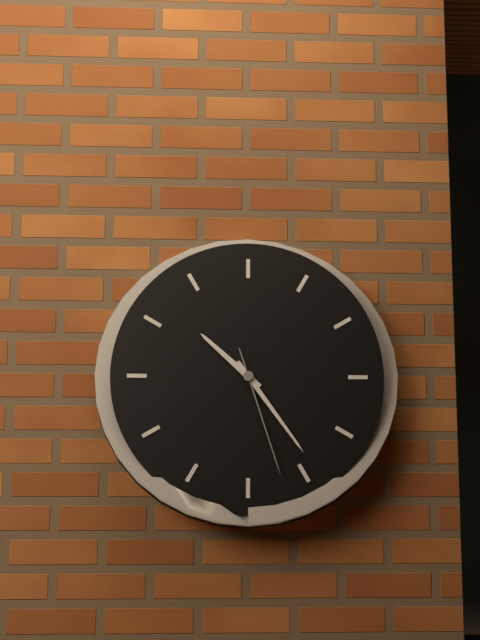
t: 10:24:27
